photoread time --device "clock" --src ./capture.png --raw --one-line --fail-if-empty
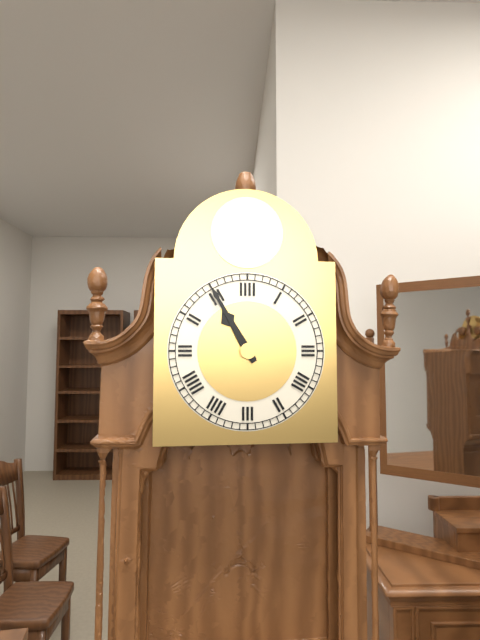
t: 10:55
